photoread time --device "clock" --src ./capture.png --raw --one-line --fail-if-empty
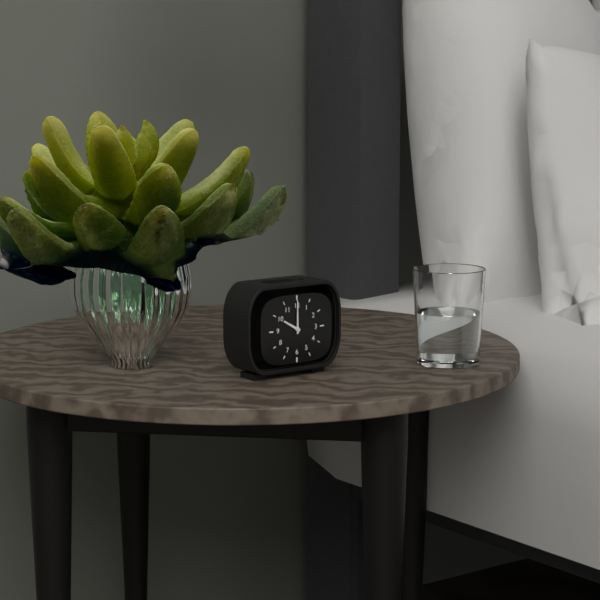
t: 10:00
